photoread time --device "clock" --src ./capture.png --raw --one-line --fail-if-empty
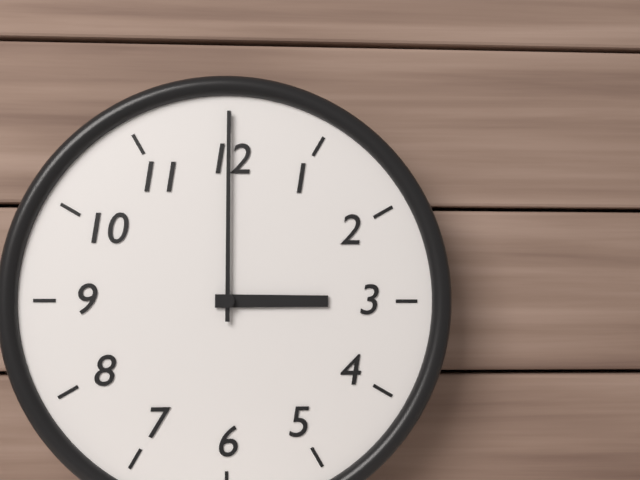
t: 3:00
